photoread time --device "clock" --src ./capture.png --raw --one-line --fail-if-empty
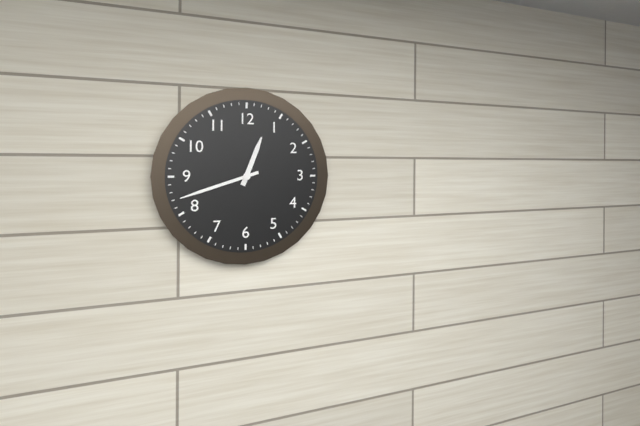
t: 12:42
